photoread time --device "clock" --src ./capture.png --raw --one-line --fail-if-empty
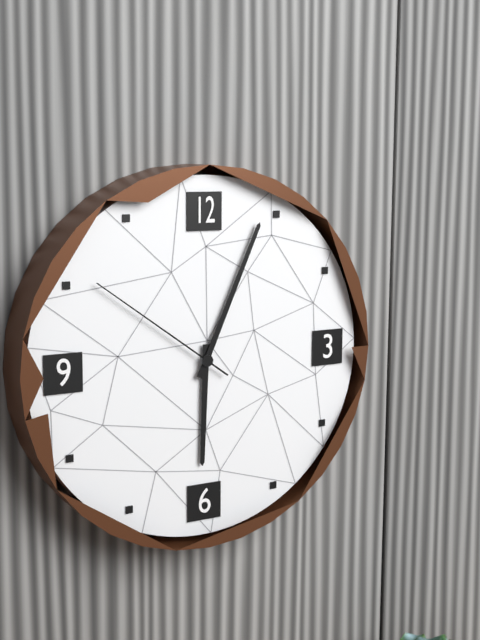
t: 6:04:51
